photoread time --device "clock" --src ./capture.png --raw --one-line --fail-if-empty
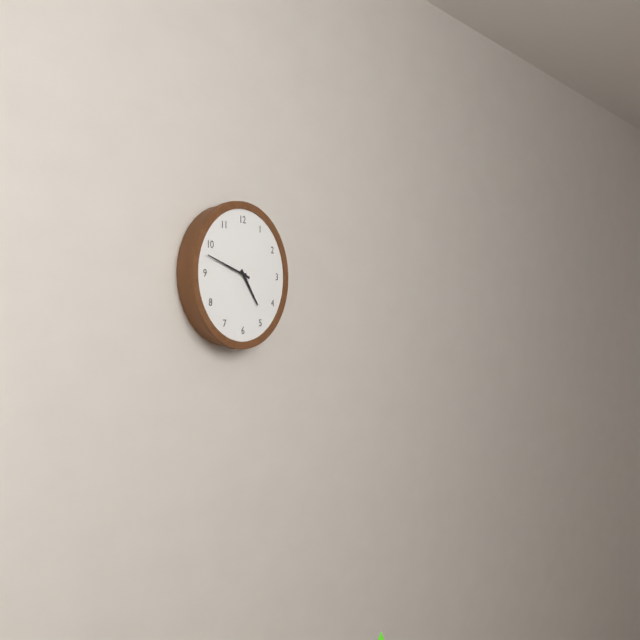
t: 4:48
